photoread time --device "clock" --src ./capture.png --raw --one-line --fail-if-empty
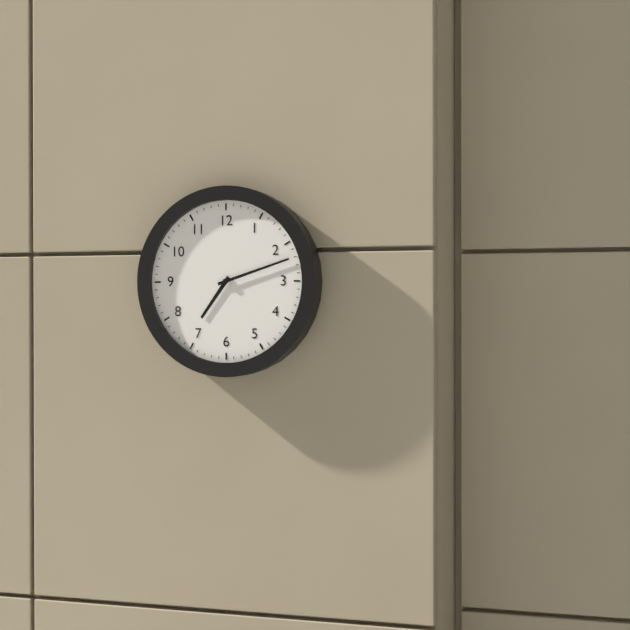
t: 7:12
